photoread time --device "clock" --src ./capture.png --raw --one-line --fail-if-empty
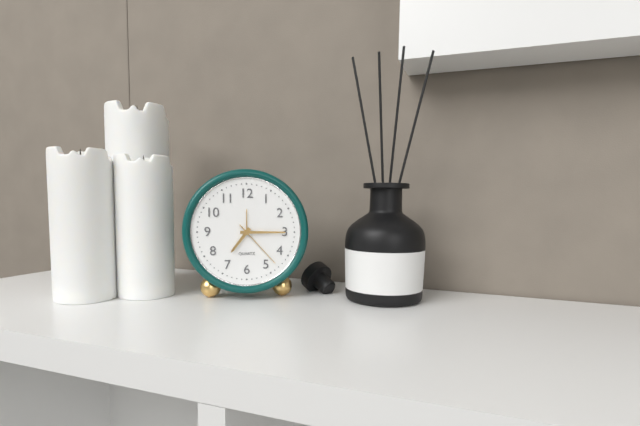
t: 7:15:23
